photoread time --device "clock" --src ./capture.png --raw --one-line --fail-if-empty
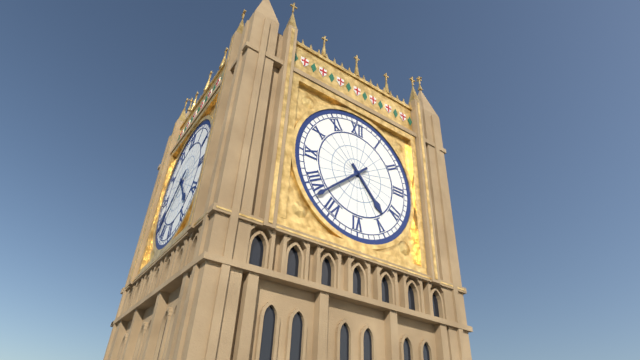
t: 4:38
